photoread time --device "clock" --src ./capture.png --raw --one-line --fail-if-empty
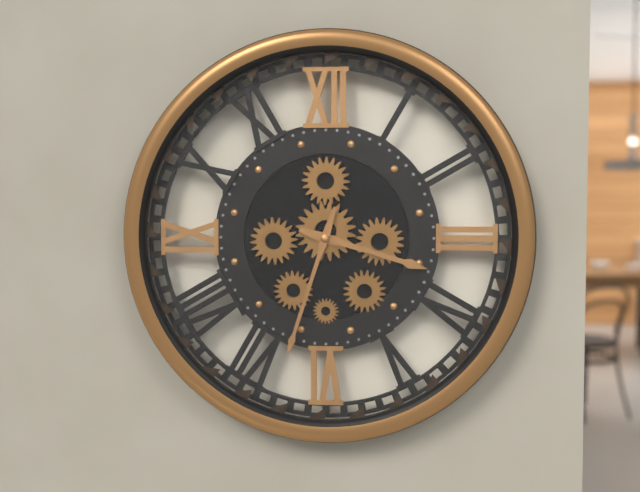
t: 3:33
